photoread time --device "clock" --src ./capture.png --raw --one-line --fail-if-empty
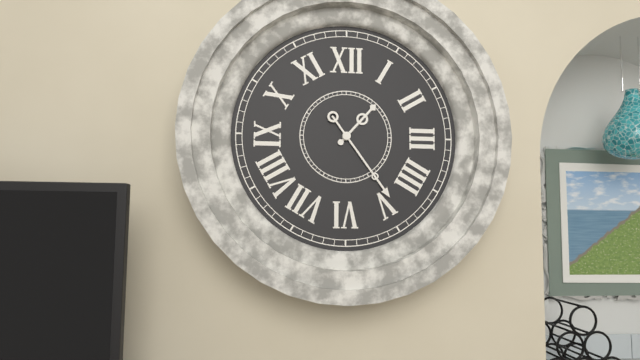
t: 1:24
